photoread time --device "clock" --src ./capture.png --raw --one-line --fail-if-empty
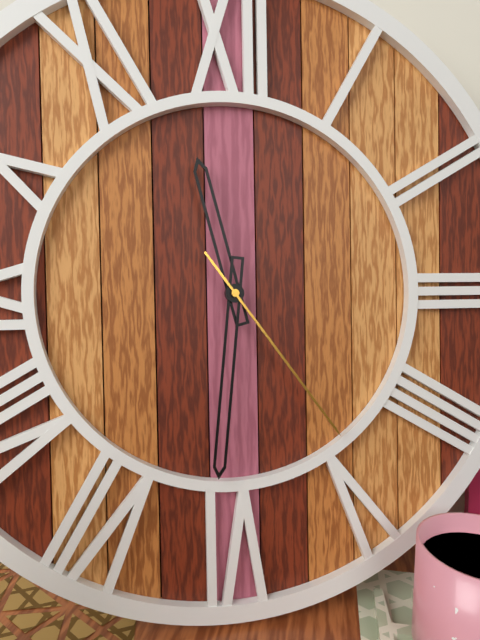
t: 11:31:24
